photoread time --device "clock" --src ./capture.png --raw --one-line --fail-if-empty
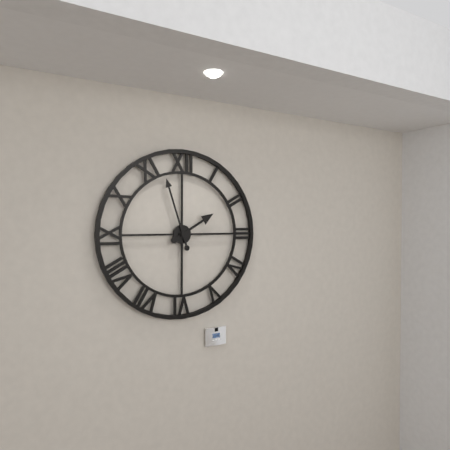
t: 1:57
